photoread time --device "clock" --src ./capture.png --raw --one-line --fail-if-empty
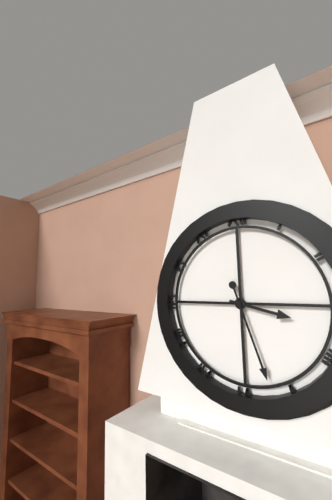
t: 3:27
